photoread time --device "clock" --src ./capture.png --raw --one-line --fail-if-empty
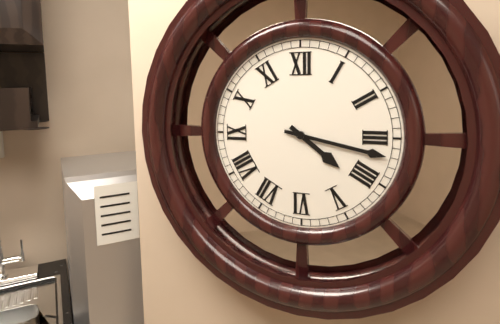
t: 4:17
